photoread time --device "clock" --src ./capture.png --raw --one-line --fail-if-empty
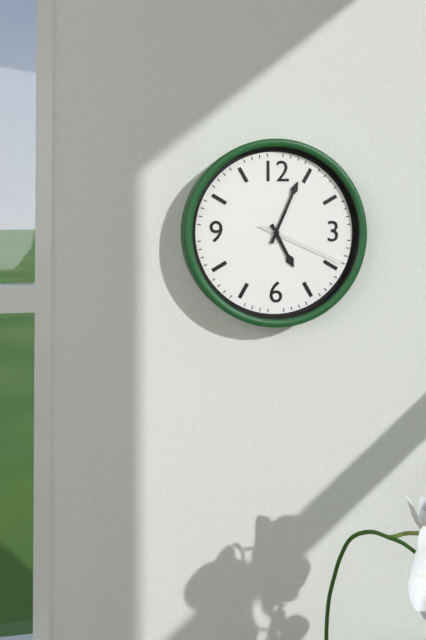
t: 5:04:19
